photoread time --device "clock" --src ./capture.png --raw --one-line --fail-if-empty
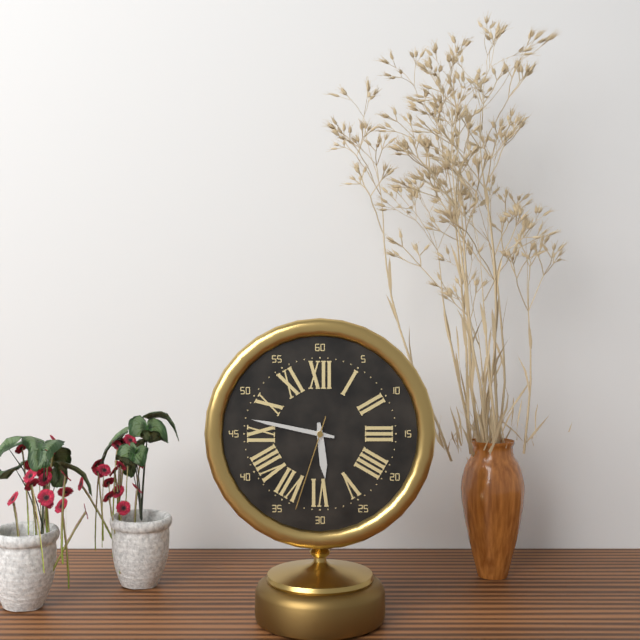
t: 5:47:33
